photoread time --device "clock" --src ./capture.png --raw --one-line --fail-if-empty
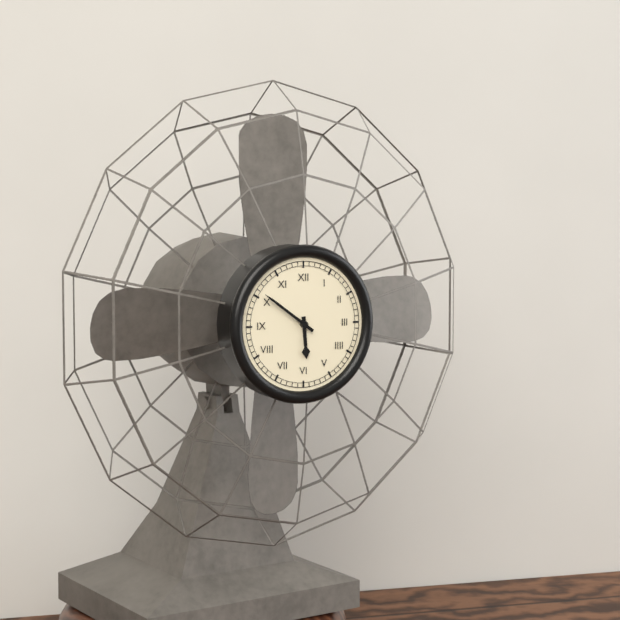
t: 5:51
